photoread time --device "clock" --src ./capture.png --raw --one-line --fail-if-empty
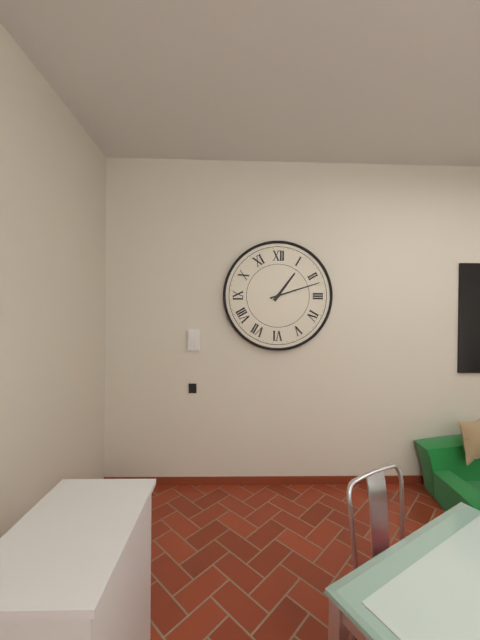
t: 1:12
